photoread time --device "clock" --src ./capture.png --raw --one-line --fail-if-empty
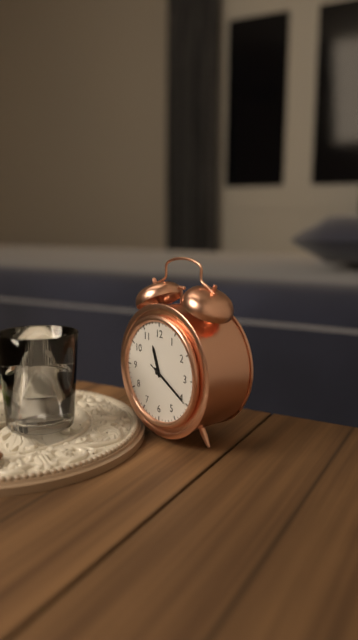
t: 11:20
